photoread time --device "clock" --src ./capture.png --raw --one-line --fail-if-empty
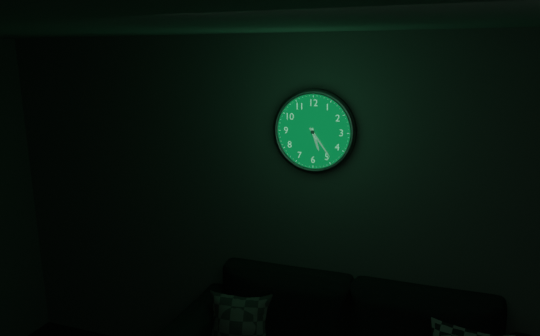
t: 5:24
